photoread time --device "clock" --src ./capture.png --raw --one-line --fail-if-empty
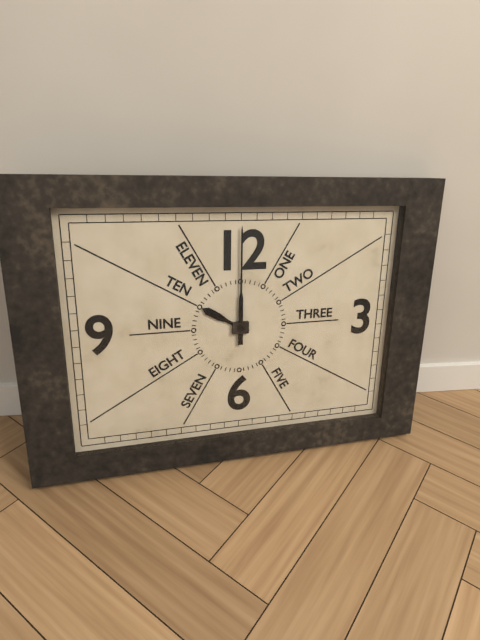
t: 10:00
